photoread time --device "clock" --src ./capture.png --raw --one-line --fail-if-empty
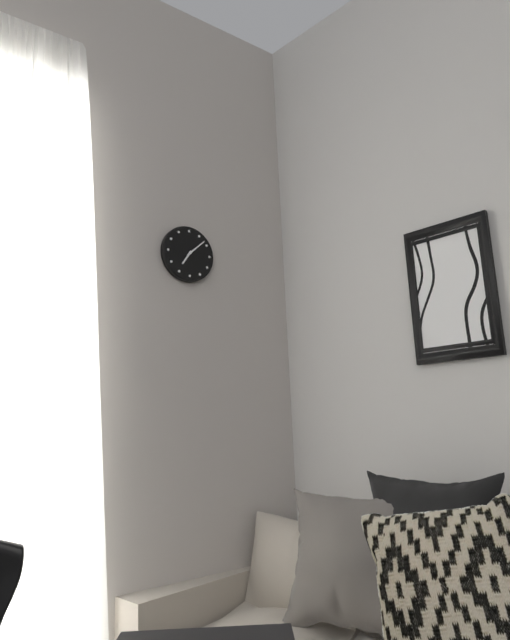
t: 7:08
